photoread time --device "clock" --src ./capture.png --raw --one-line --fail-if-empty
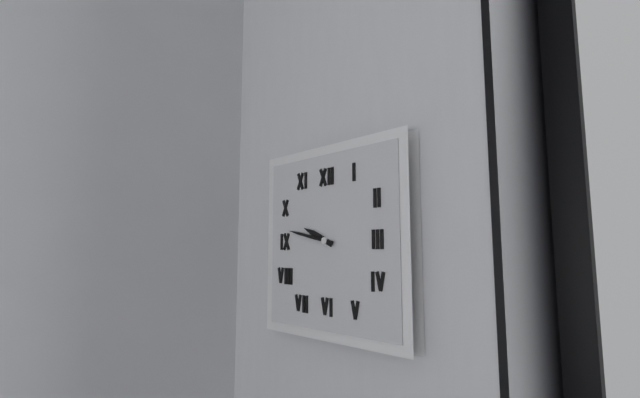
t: 9:47
